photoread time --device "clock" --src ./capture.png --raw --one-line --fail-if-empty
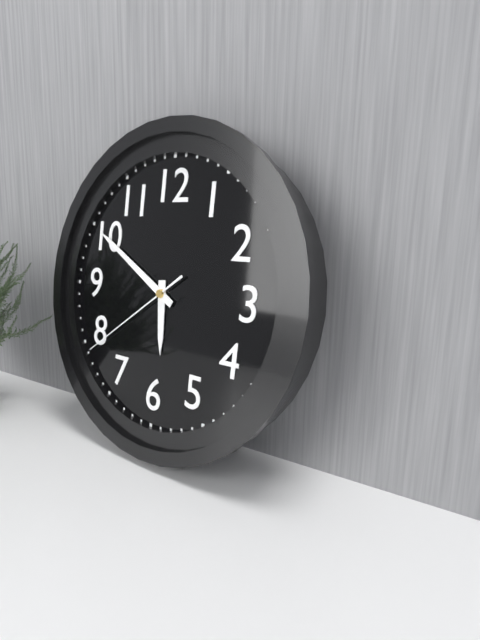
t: 5:50:39
